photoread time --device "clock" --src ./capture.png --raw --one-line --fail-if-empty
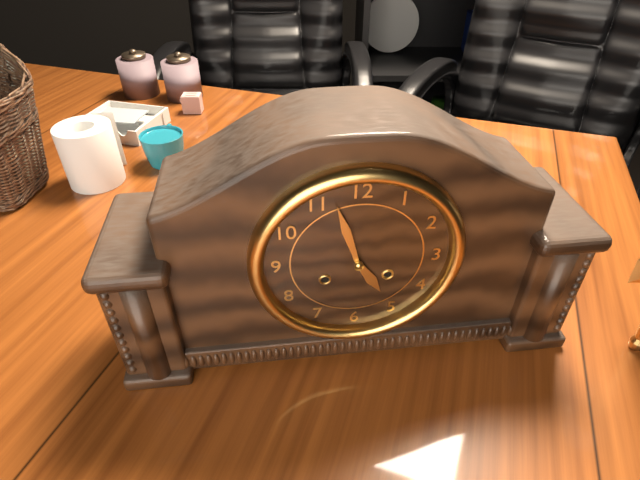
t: 4:57
